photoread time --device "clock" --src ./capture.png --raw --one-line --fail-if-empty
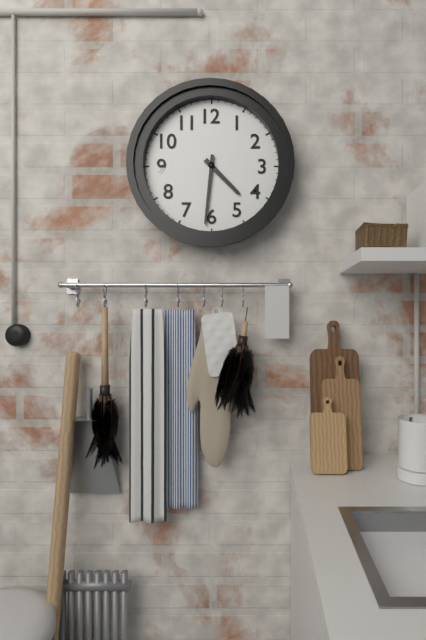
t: 4:31
